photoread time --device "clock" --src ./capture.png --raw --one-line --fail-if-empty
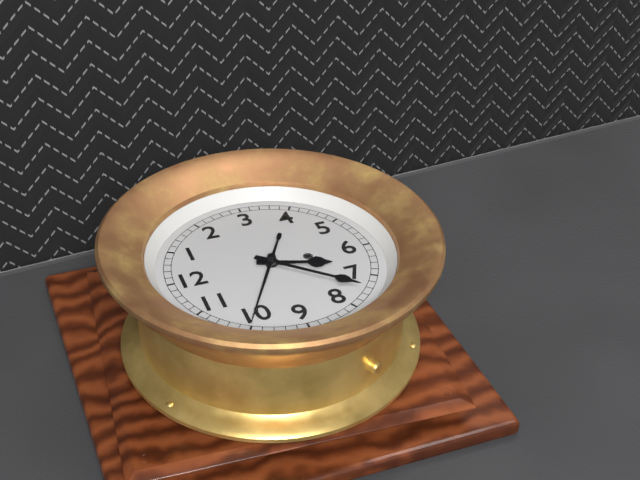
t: 6:37:50
